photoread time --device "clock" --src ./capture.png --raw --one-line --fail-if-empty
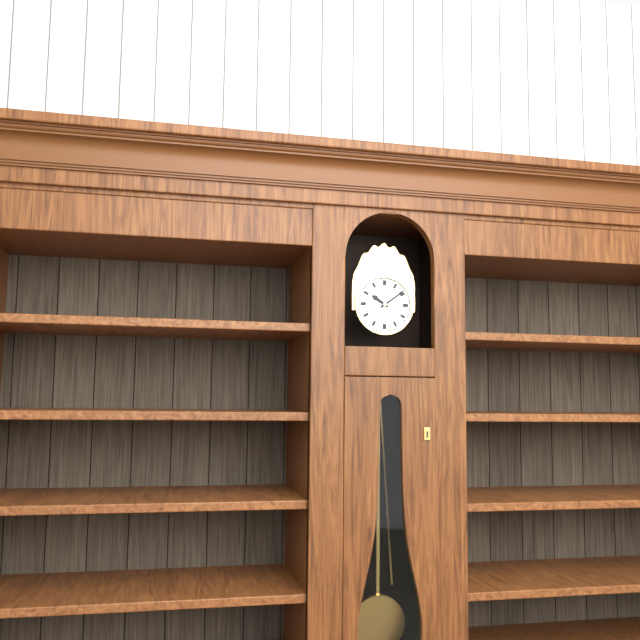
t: 10:09
